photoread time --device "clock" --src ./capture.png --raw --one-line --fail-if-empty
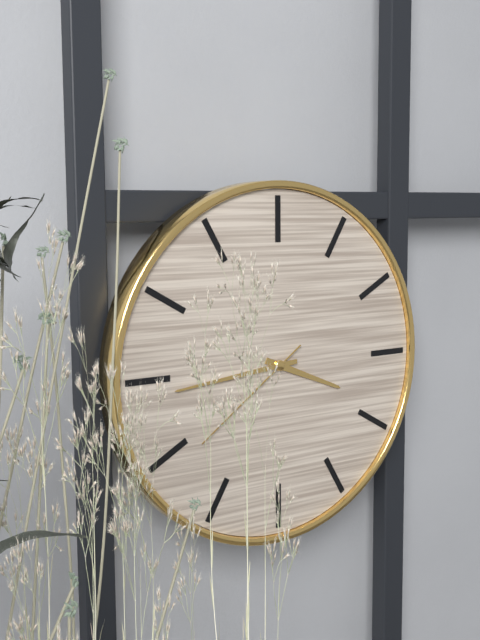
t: 3:44:39
